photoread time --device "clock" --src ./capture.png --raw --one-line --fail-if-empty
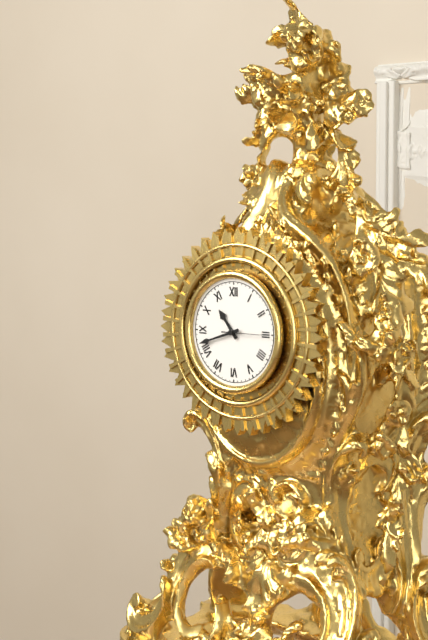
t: 10:42
